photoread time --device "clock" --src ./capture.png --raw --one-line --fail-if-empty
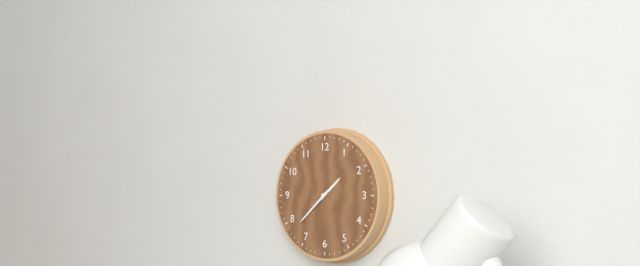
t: 1:38
